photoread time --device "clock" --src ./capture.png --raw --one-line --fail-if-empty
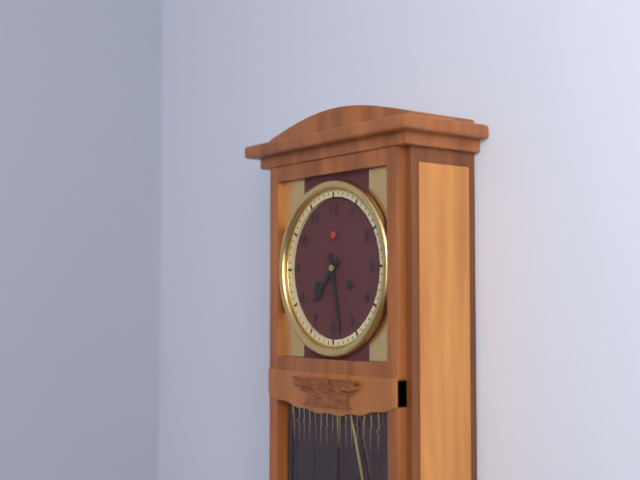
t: 7:28
